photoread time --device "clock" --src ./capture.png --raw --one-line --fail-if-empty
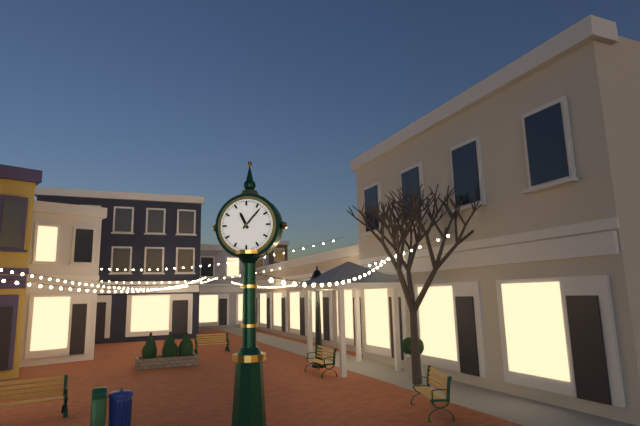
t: 11:07
